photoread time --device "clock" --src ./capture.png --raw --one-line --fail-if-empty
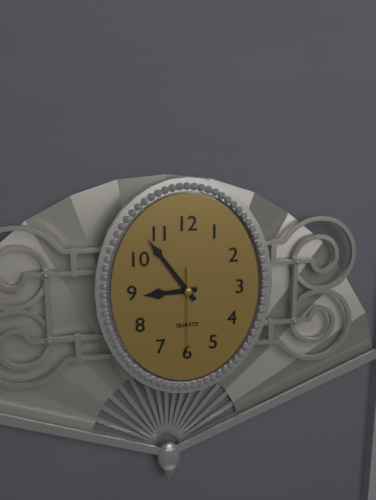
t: 8:54:30
